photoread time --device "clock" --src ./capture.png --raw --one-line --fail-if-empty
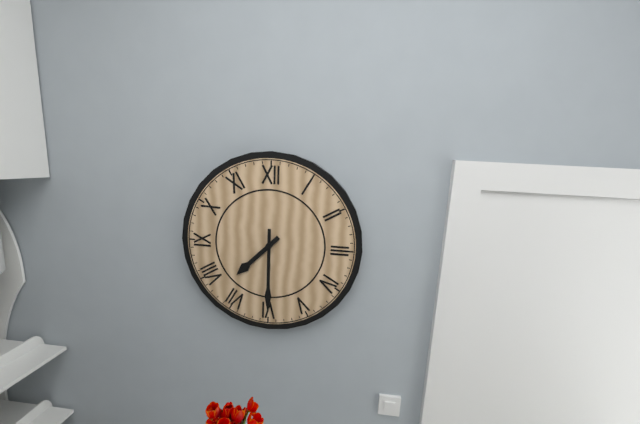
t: 7:30
